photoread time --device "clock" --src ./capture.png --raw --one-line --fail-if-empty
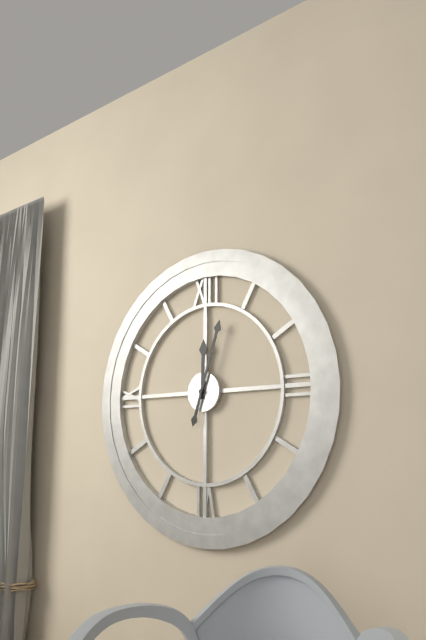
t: 12:03
